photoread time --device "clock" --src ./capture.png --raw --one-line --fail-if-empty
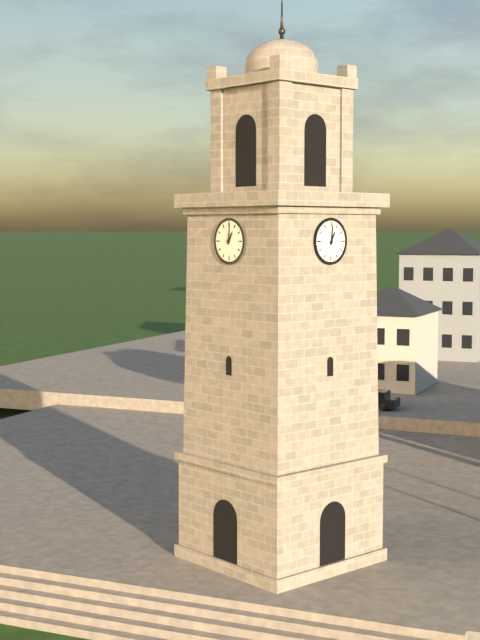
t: 1:01
